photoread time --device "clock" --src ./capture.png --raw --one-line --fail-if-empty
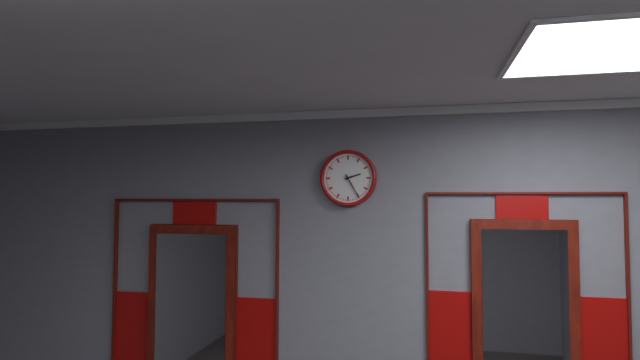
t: 2:25
